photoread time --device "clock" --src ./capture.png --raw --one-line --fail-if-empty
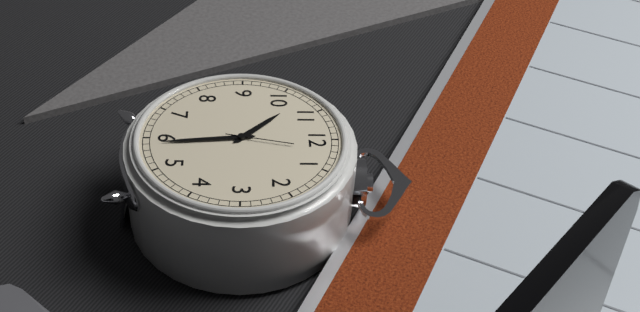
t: 10:29:02
